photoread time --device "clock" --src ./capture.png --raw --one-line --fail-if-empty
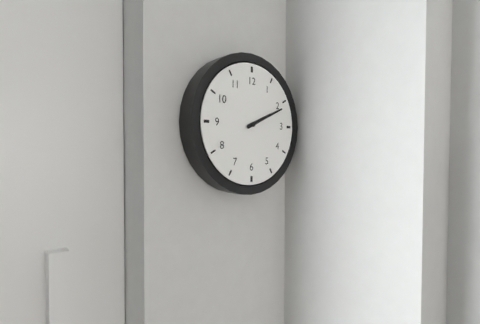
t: 2:11
